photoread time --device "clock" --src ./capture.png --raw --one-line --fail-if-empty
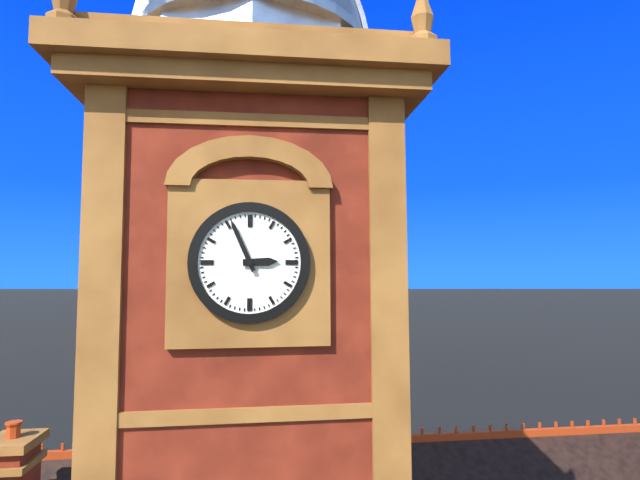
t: 2:56
